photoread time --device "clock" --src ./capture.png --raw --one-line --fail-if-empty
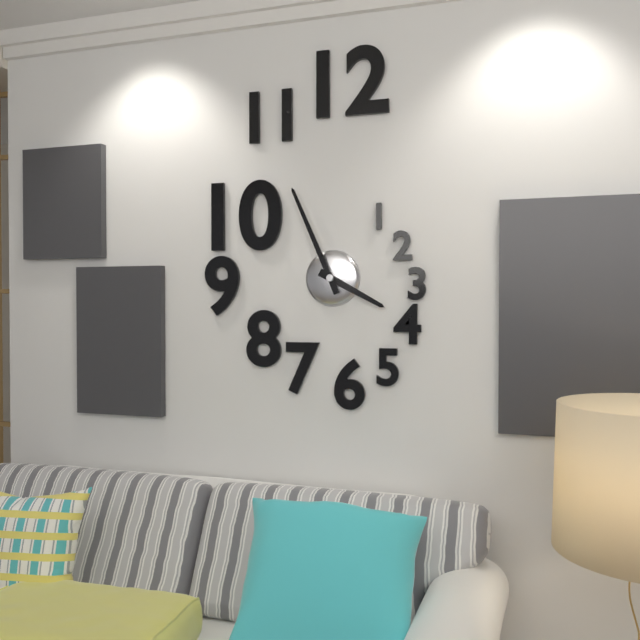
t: 3:56
